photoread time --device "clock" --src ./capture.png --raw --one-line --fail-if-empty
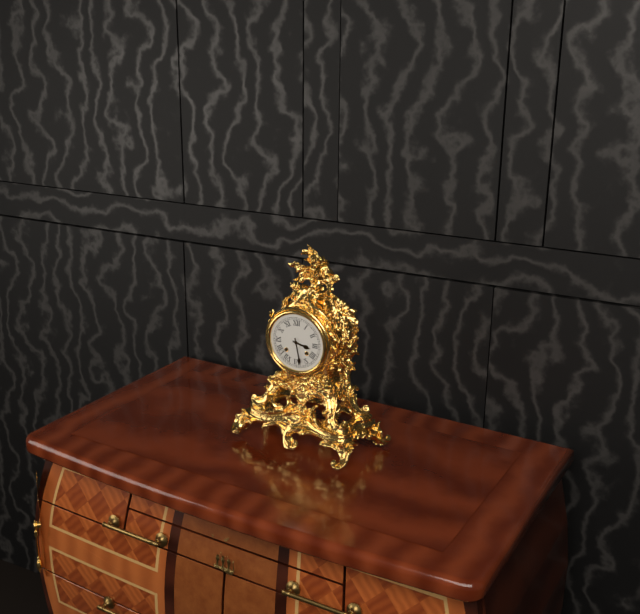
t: 3:28
